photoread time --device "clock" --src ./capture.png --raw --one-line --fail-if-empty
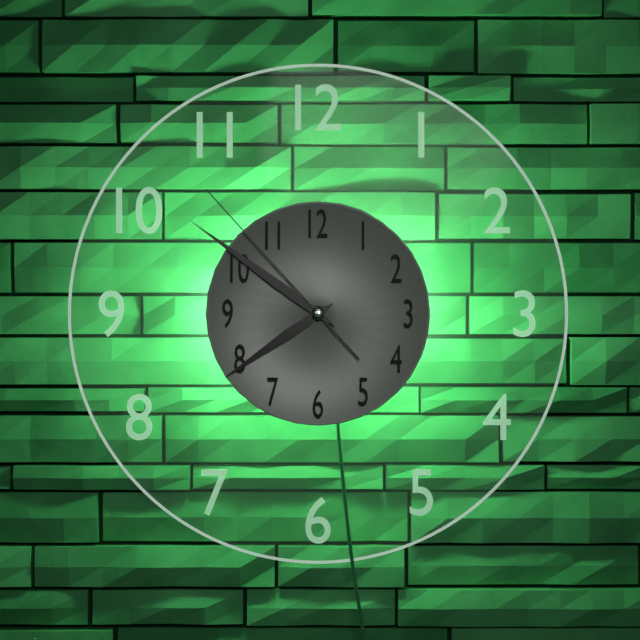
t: 7:51:53
